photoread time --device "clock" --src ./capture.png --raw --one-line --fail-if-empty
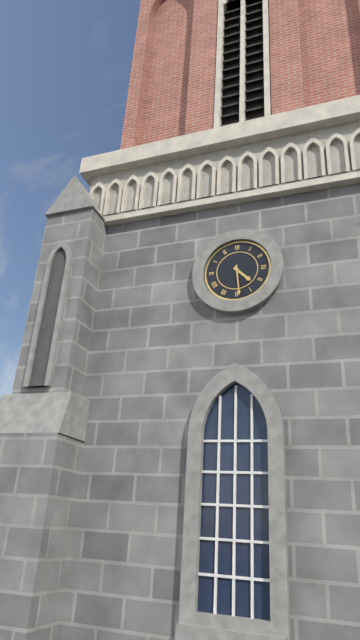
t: 4:29
